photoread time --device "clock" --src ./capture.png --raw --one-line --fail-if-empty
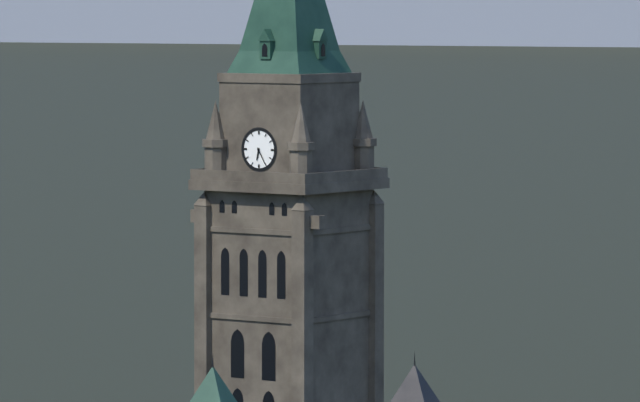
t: 6:25
